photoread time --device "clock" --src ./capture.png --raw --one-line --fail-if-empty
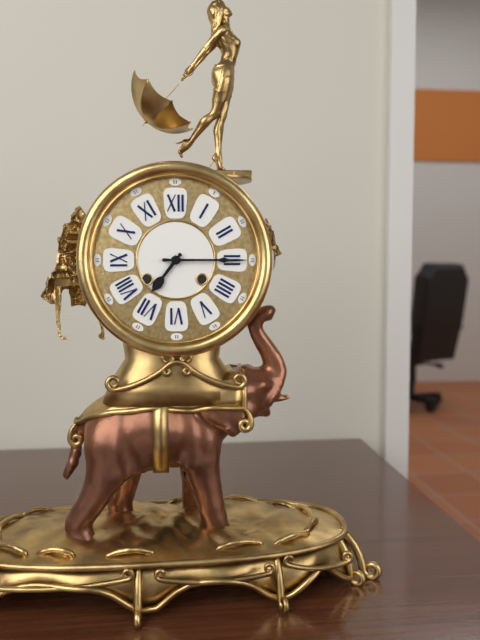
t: 7:15
